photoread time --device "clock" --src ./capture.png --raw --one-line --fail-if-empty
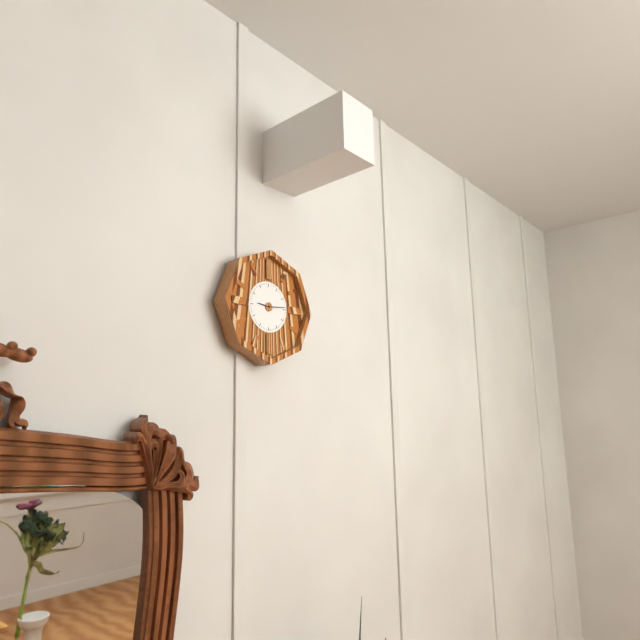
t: 9:14
